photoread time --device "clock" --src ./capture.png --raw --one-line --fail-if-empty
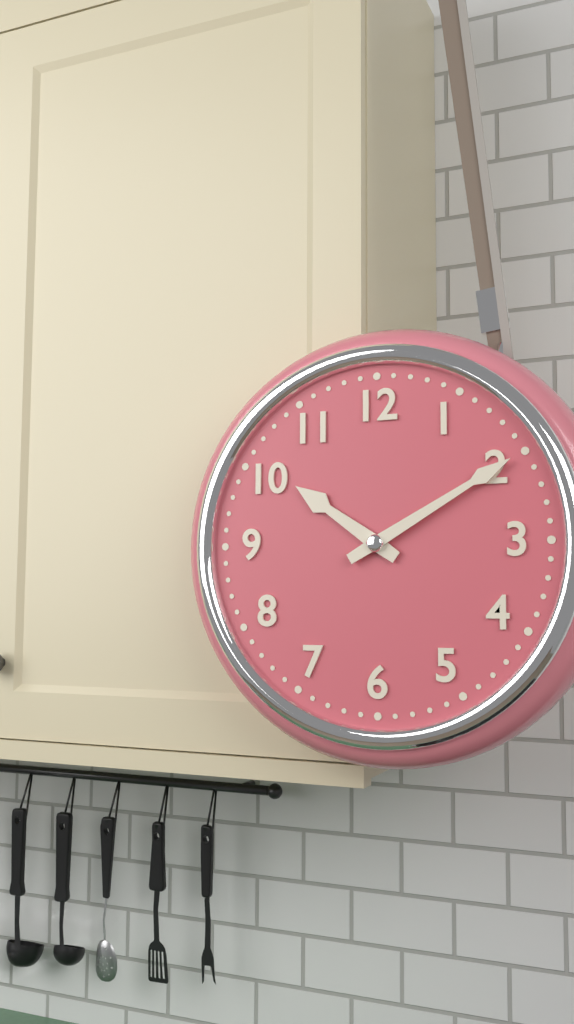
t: 10:10
